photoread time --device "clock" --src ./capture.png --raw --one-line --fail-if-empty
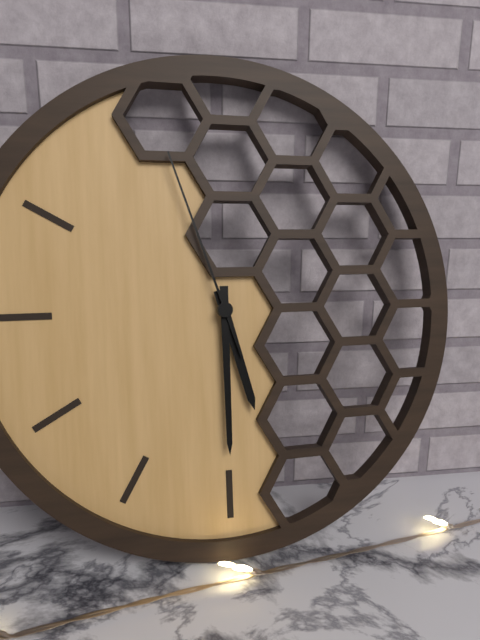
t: 5:30:57
